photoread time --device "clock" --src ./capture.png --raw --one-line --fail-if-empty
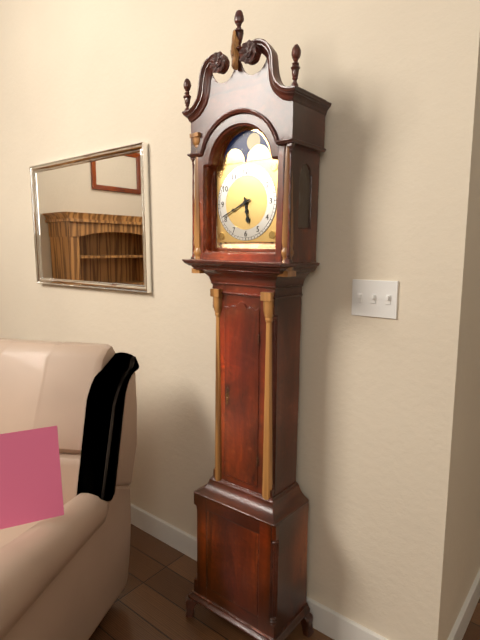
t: 5:41
